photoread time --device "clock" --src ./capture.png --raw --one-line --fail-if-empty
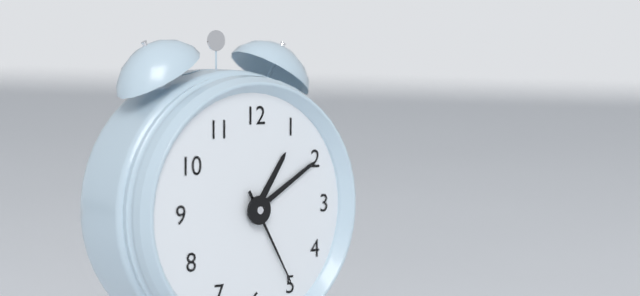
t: 1:10:25
